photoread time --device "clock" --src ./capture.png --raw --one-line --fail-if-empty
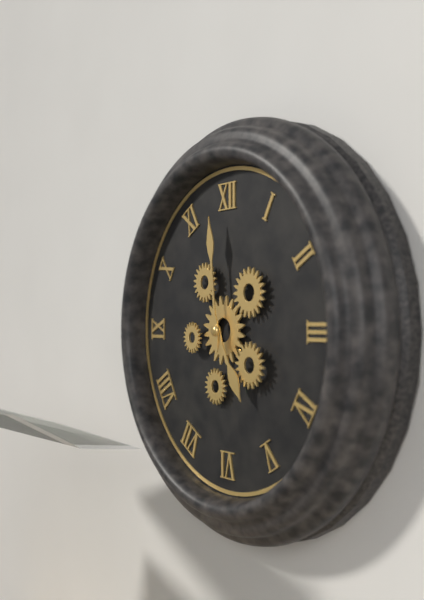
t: 4:59
